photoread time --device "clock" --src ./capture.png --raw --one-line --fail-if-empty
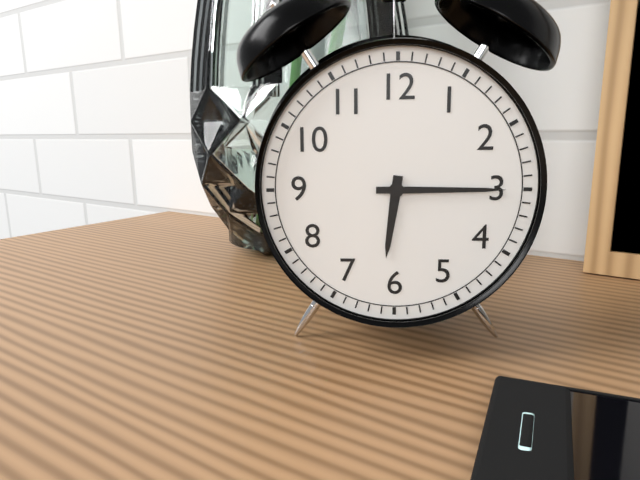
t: 6:15
